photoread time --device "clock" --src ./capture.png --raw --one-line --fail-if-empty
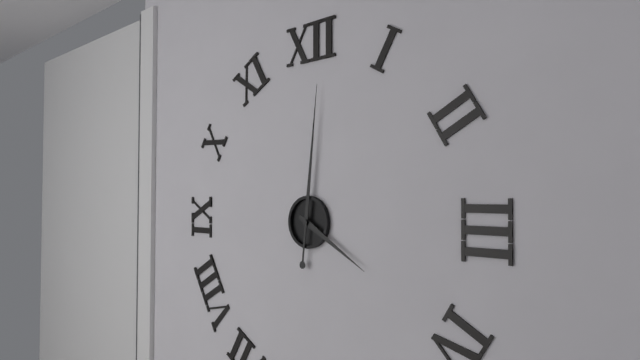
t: 4:01
